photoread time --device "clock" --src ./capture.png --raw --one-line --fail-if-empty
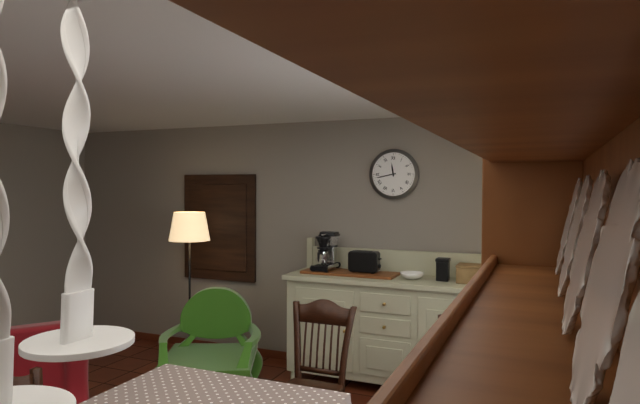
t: 11:43
